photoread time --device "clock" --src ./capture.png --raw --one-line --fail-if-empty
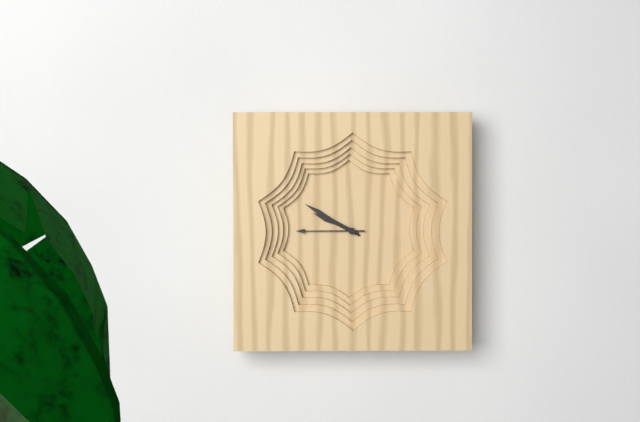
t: 9:50:45
